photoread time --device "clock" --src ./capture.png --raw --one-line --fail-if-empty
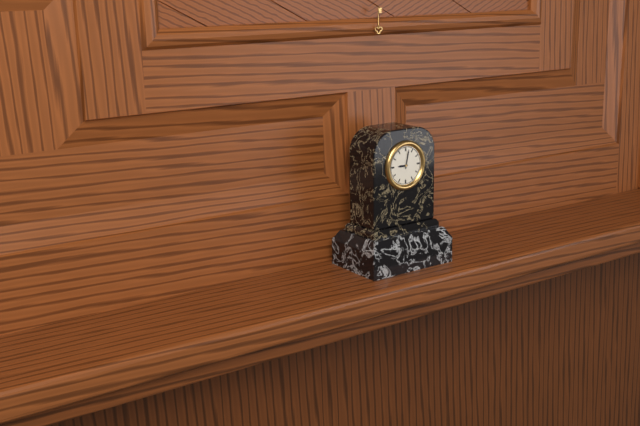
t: 9:02
